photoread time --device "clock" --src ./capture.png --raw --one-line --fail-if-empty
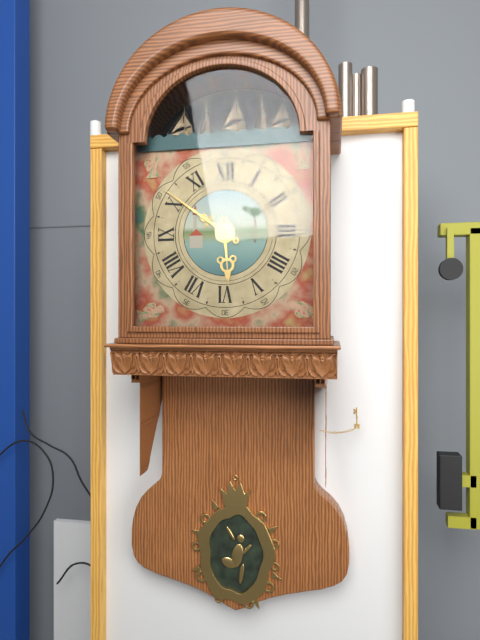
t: 5:51
